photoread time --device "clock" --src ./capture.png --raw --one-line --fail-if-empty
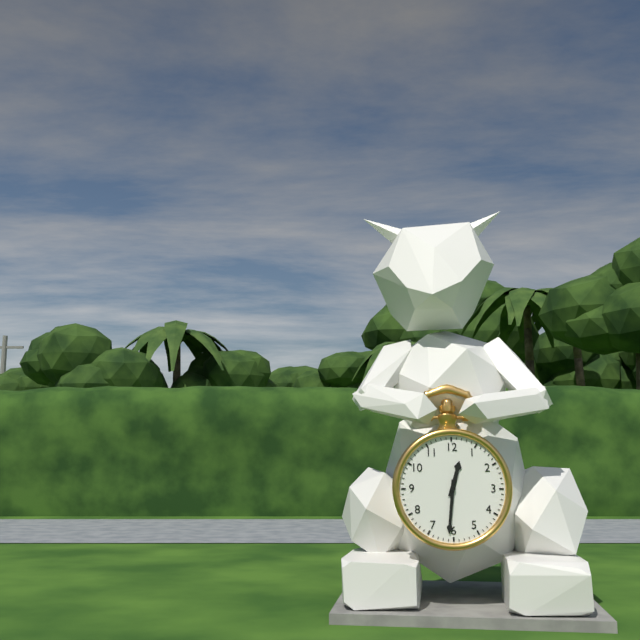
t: 12:31
